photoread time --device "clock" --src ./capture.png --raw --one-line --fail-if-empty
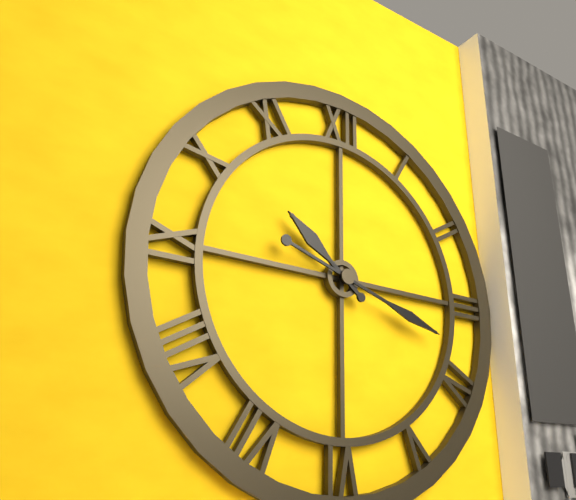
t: 10:18
